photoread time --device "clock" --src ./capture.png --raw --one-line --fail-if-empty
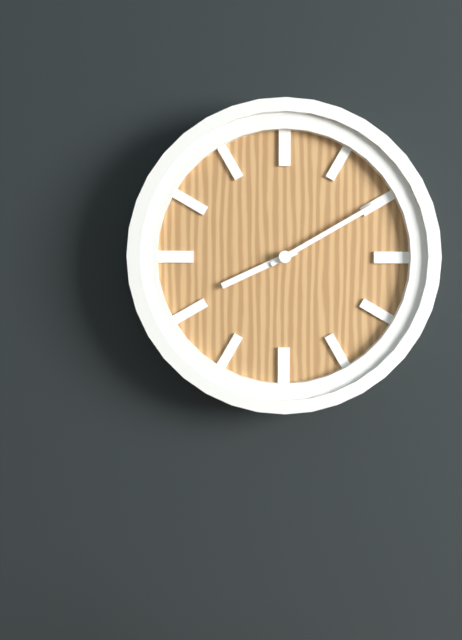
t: 8:10
